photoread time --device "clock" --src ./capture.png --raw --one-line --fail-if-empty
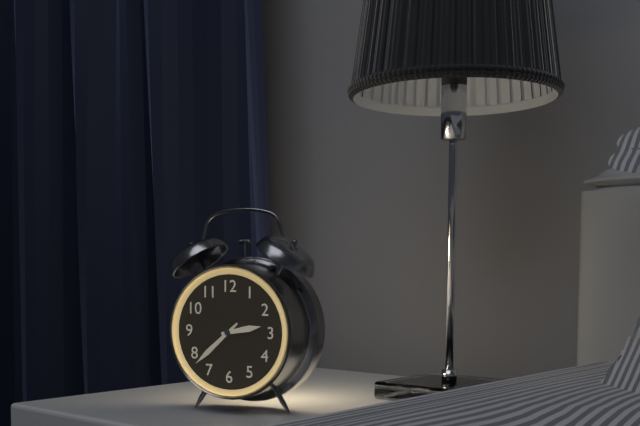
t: 2:38
